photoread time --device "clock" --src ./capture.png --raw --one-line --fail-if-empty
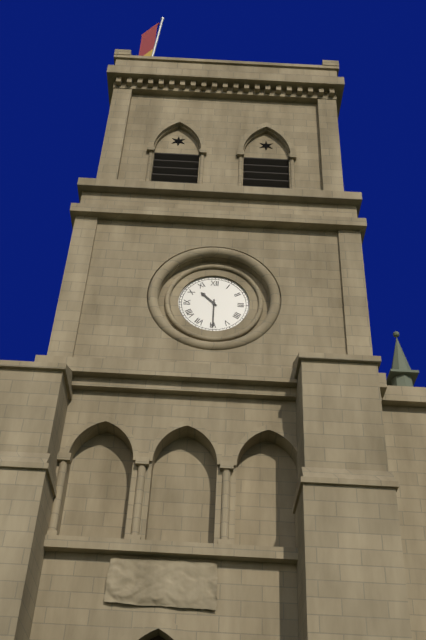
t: 10:30
